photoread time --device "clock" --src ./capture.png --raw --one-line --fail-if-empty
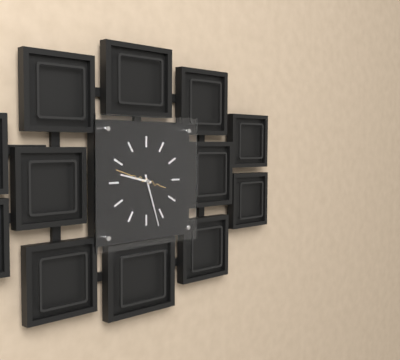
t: 9:27
